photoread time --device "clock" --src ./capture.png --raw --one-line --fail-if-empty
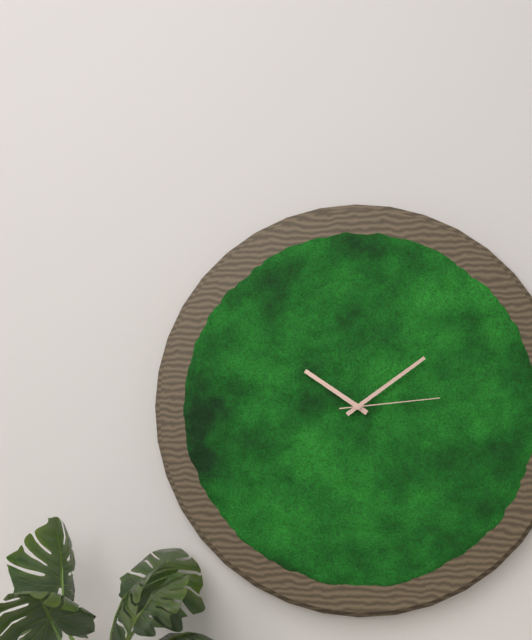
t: 10:09:14
